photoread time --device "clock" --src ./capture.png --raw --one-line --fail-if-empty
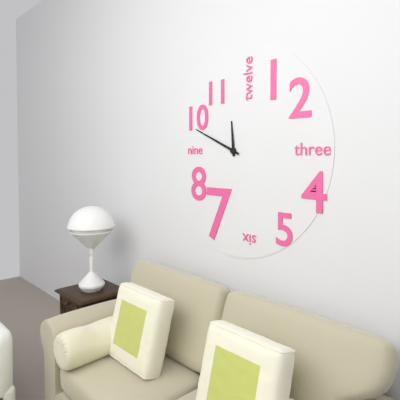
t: 11:49
